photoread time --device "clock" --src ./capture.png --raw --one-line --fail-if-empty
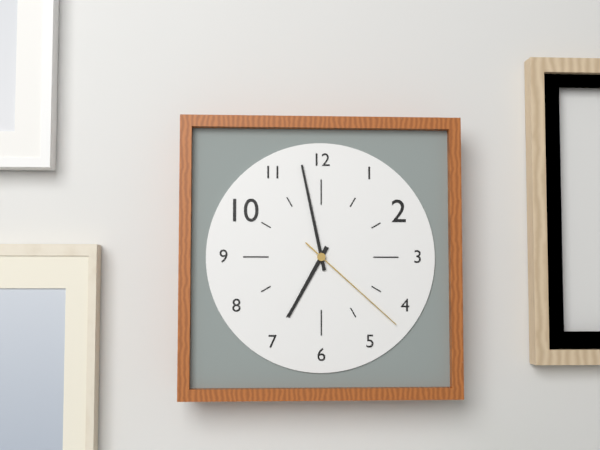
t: 6:58:22
